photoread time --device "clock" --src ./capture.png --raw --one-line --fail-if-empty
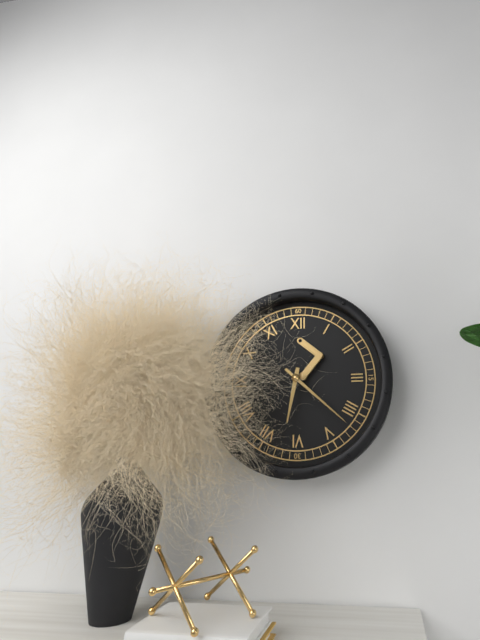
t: 6:22
